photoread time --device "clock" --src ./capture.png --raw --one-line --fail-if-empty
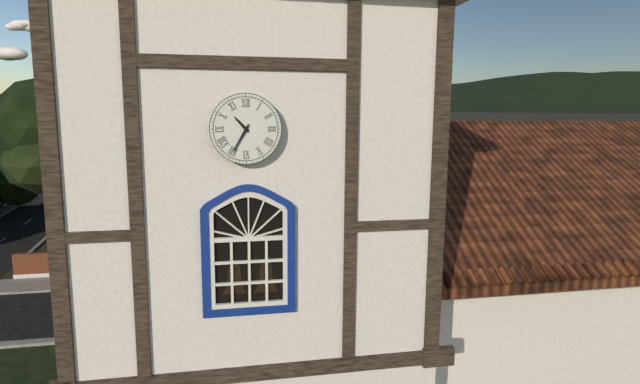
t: 10:35
